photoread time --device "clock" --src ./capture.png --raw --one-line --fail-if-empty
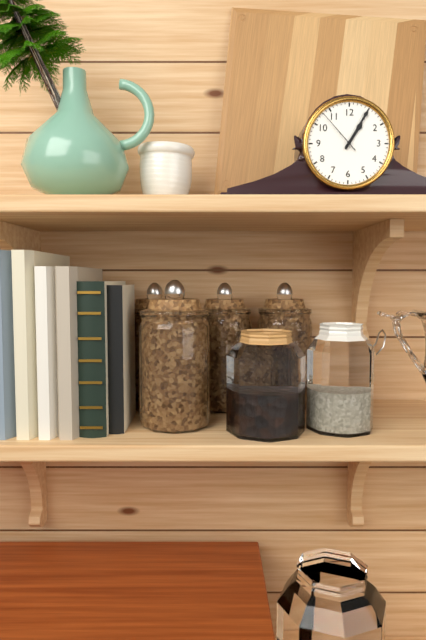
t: 1:05
